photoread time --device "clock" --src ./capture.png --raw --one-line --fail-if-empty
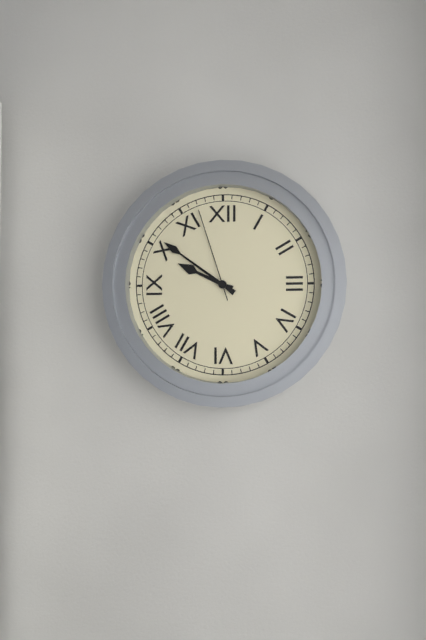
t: 9:51:57
